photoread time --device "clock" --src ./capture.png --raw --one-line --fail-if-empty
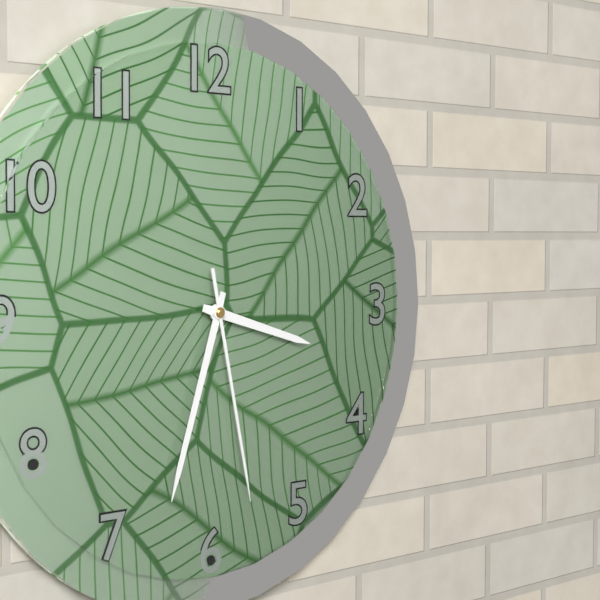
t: 3:33:28
